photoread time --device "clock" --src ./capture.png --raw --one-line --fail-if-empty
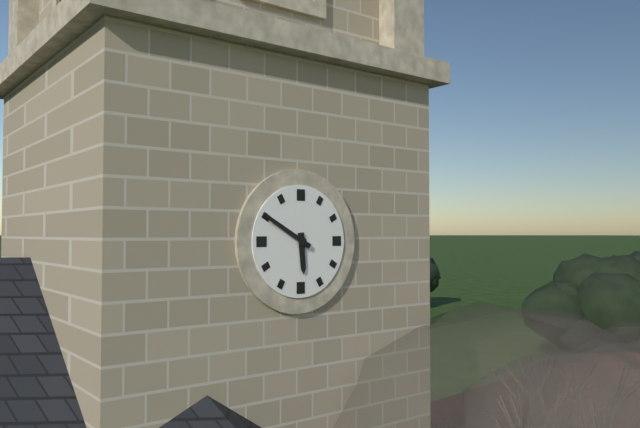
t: 5:50
